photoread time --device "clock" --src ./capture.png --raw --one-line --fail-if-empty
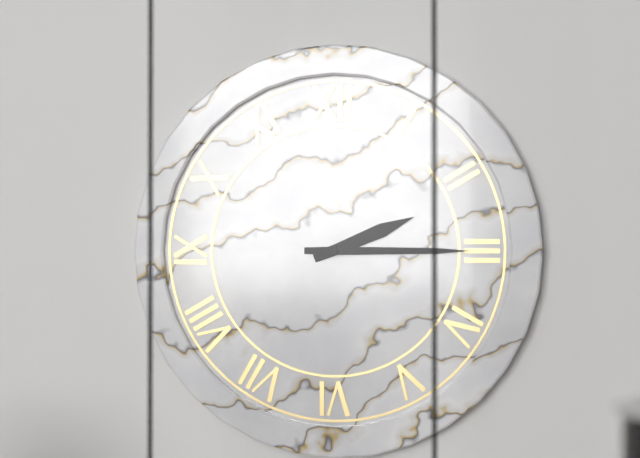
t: 2:15
